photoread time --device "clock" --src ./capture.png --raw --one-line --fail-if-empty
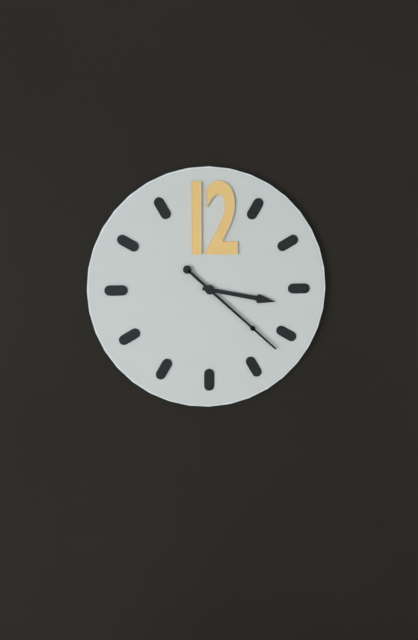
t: 3:22
